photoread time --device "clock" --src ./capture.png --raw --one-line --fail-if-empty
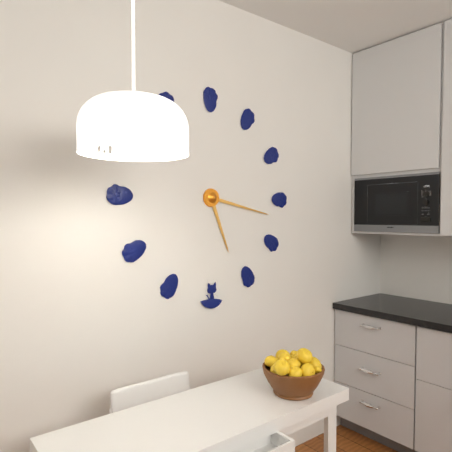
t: 5:17
